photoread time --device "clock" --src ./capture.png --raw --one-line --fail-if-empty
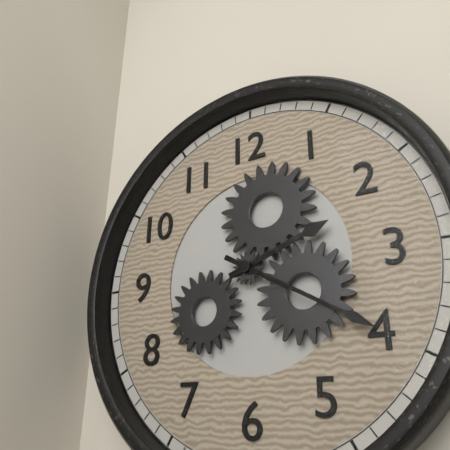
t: 2:20
